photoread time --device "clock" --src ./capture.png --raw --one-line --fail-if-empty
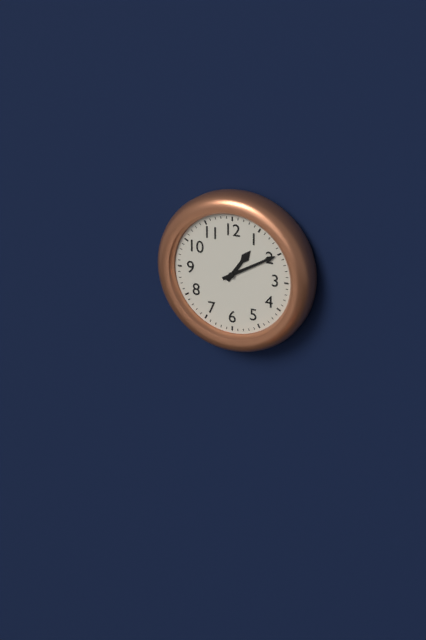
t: 1:10
